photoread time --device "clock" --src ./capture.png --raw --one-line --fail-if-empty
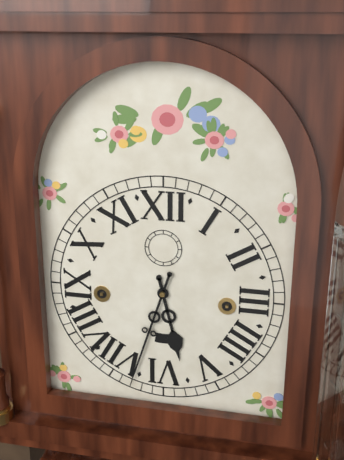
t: 5:33
